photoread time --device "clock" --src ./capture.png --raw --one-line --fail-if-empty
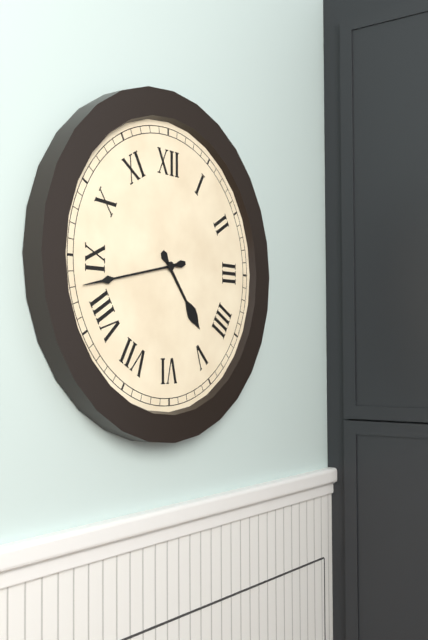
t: 4:43
